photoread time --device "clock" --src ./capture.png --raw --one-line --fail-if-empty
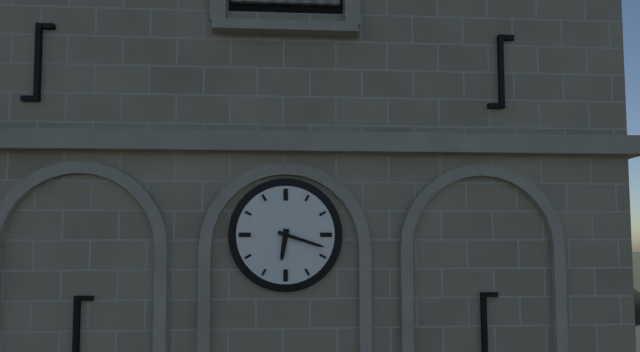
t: 6:18
